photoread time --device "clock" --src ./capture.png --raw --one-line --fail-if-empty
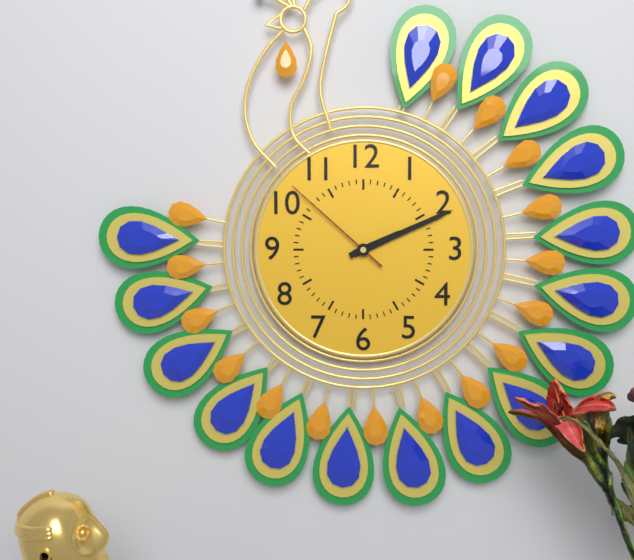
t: 2:11:52
